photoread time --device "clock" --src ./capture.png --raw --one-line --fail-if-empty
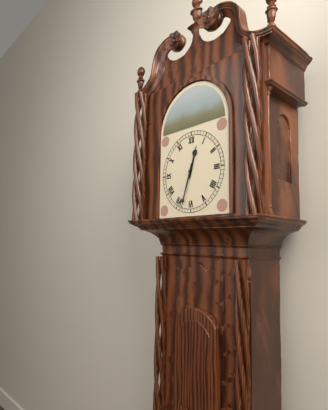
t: 12:33
